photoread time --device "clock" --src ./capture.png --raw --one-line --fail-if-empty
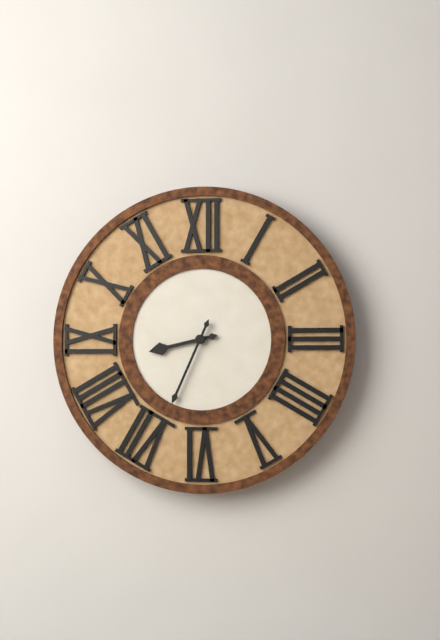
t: 8:34
